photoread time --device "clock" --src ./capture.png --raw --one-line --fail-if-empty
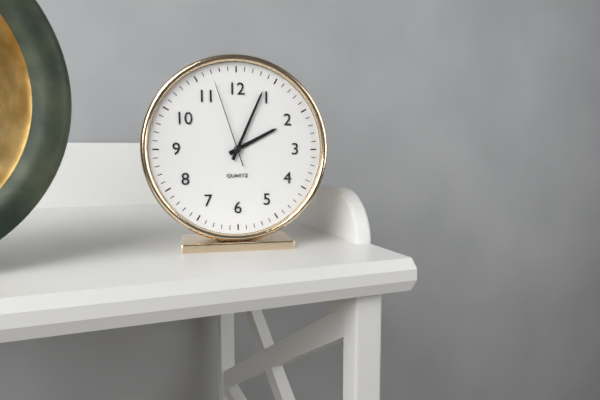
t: 2:04:57
